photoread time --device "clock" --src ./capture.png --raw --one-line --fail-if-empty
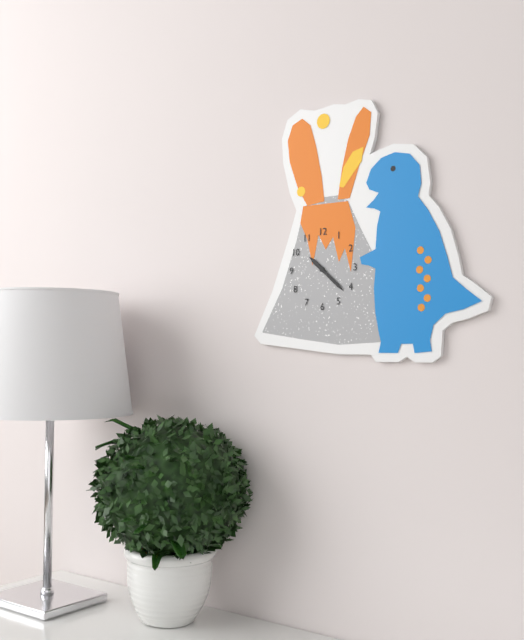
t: 10:22
